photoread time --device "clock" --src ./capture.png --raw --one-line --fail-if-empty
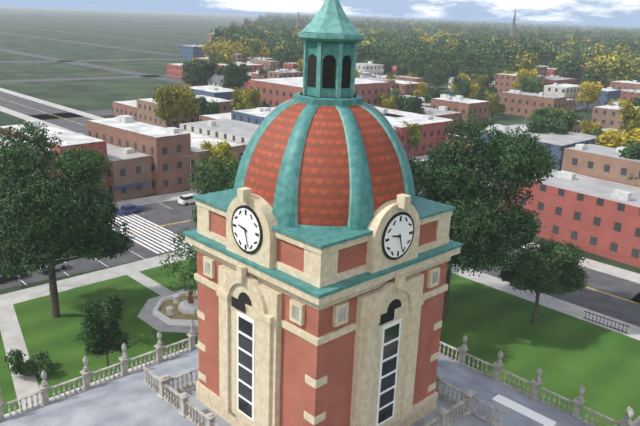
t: 9:27
